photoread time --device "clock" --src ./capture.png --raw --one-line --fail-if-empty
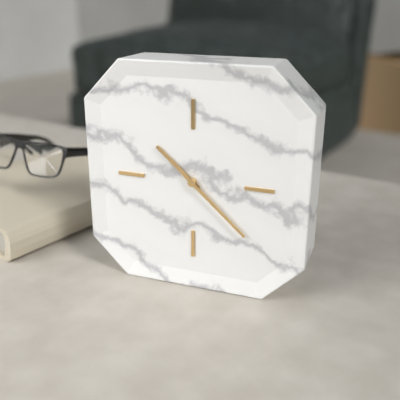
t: 10:22
